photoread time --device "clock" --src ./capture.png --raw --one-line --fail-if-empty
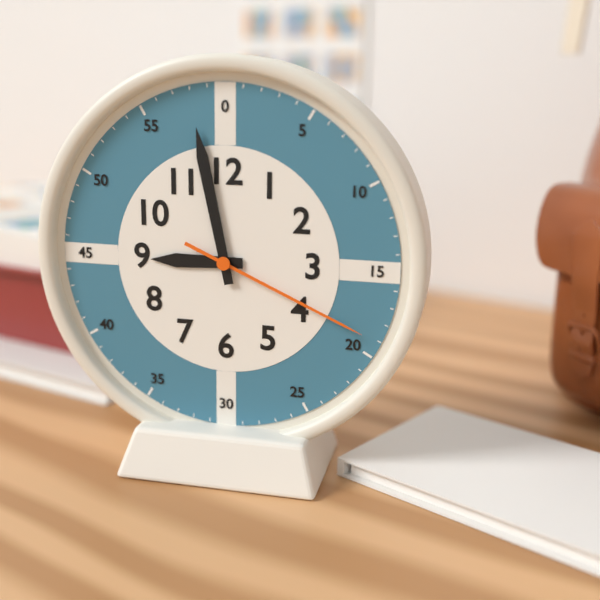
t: 8:58:19
